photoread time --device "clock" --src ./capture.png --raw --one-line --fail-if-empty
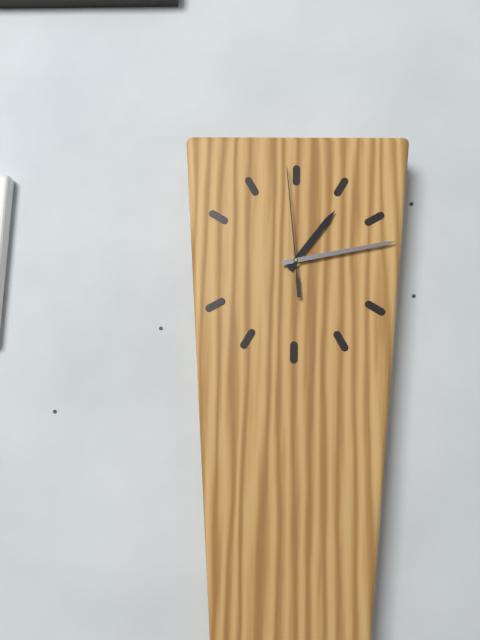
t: 1:13:59
